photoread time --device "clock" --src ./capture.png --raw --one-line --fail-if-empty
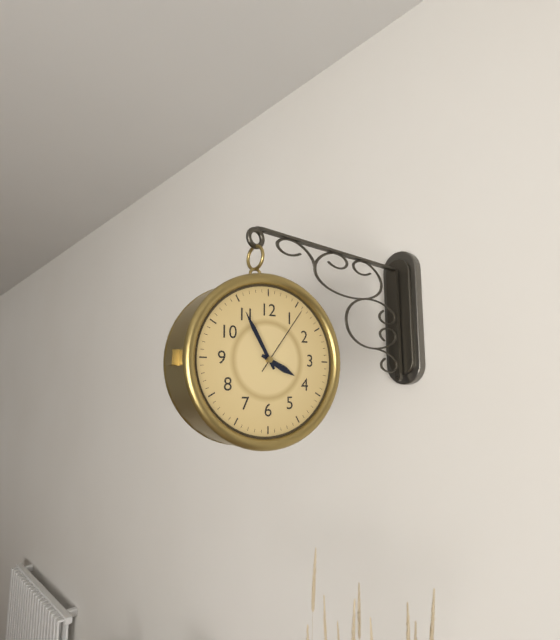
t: 3:55:06
